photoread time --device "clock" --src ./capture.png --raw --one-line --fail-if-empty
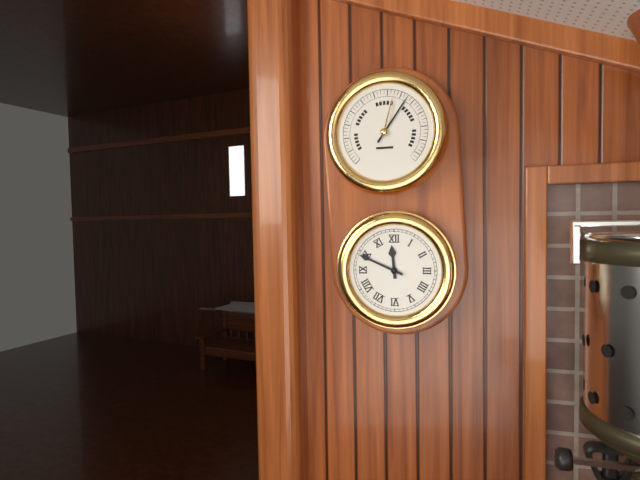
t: 11:49
